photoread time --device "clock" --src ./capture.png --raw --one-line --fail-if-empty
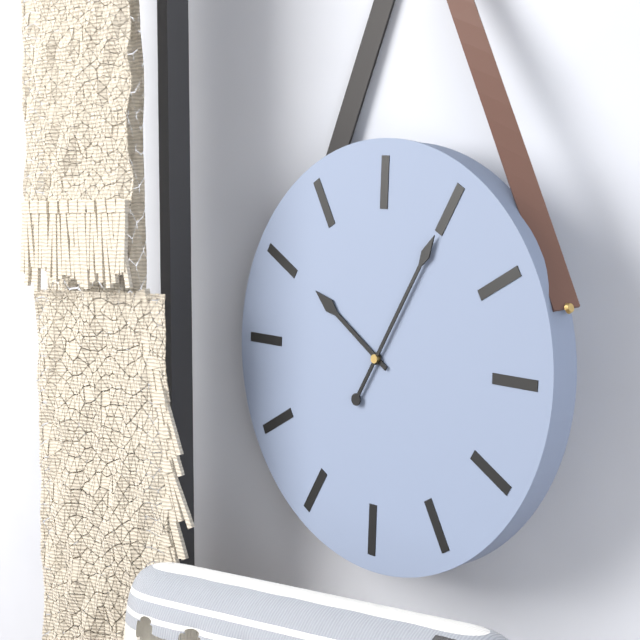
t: 10:05
